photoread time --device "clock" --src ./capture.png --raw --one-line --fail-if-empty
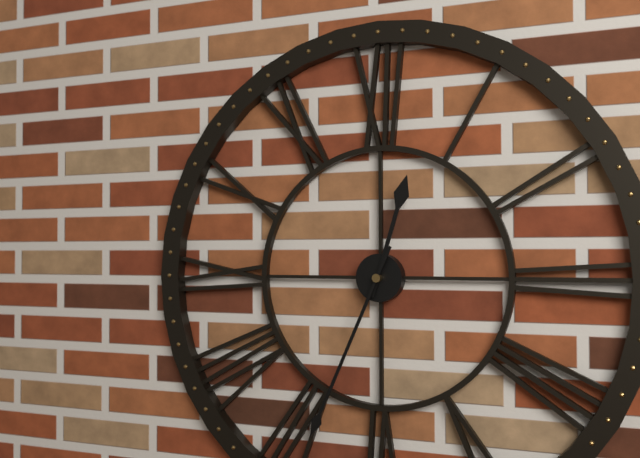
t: 12:34
